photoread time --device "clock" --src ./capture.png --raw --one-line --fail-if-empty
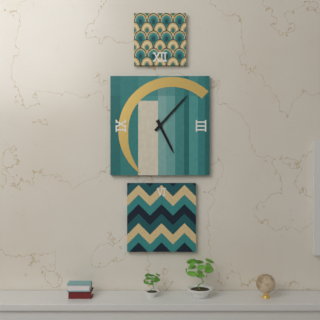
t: 5:07
